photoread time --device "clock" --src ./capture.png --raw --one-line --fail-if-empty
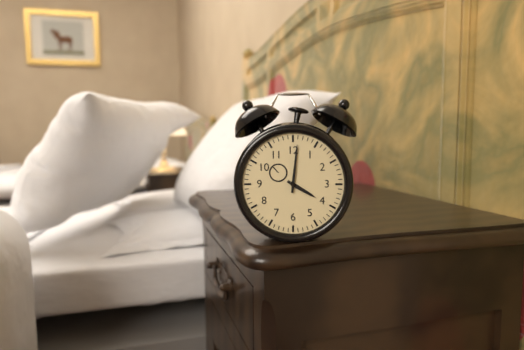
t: 4:01
